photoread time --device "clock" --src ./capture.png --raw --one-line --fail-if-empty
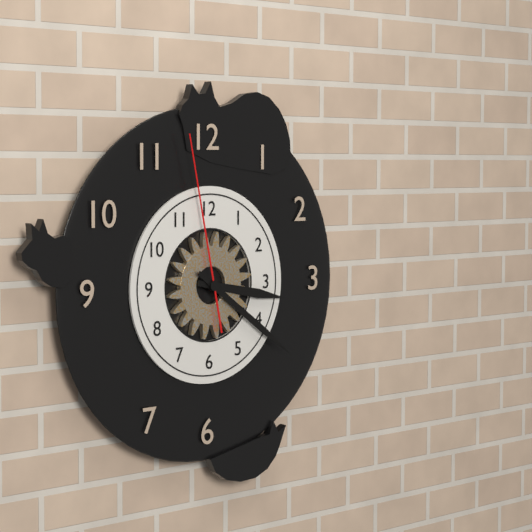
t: 3:21:58
